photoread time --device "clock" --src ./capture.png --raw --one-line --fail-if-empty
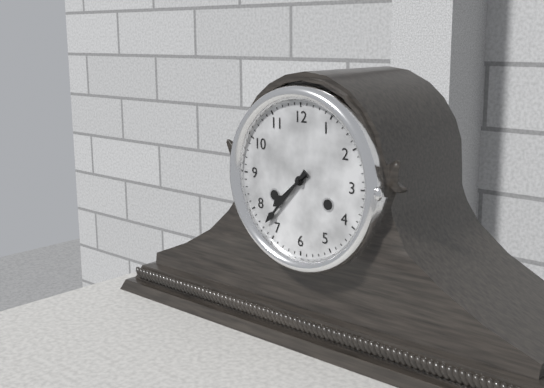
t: 7:37
